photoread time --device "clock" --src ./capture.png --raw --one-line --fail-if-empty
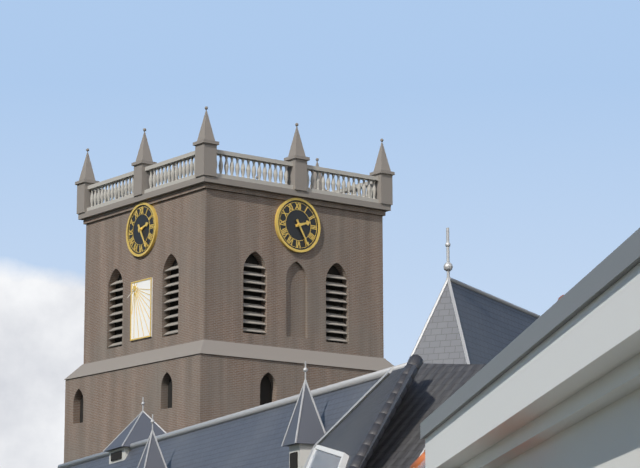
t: 2:25
